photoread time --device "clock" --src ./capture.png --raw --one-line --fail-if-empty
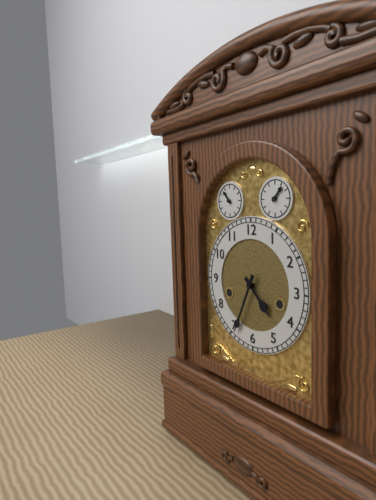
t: 4:34
